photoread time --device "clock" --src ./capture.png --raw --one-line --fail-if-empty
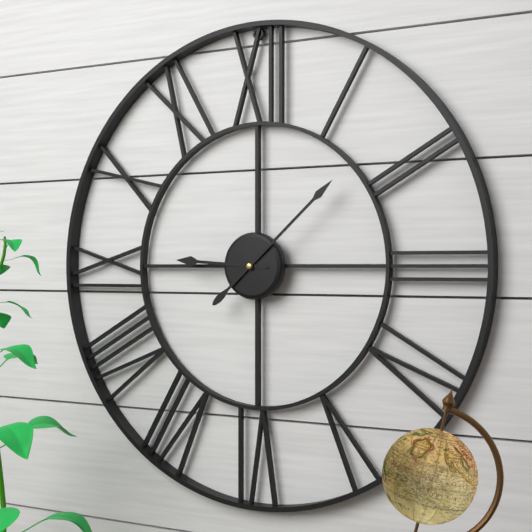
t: 9:08
